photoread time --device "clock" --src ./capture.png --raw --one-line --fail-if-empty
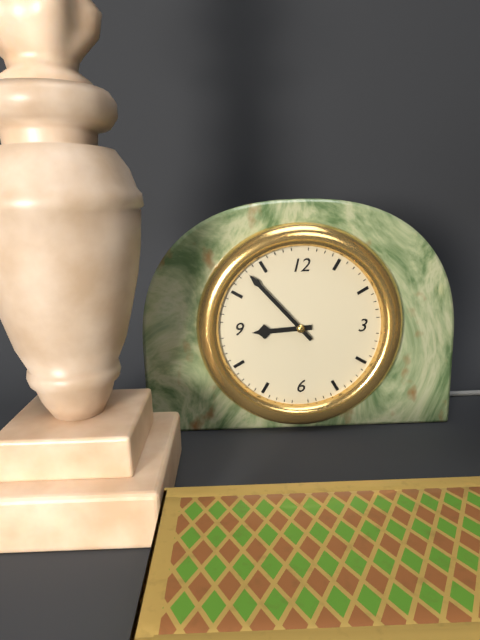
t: 8:53
